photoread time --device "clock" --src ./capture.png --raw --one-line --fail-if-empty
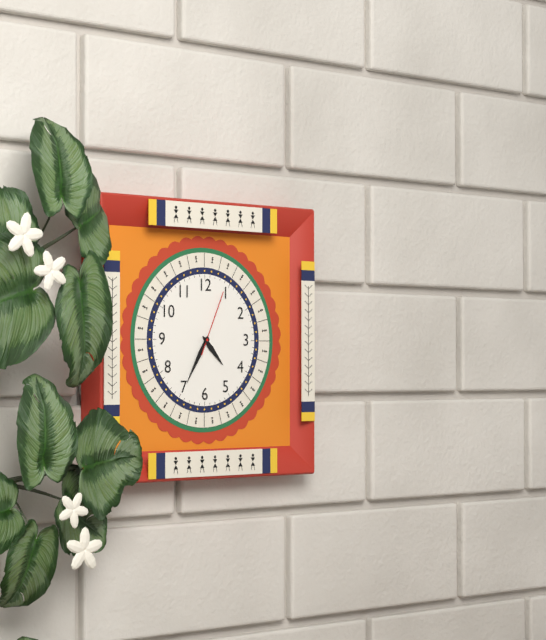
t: 4:35:04
